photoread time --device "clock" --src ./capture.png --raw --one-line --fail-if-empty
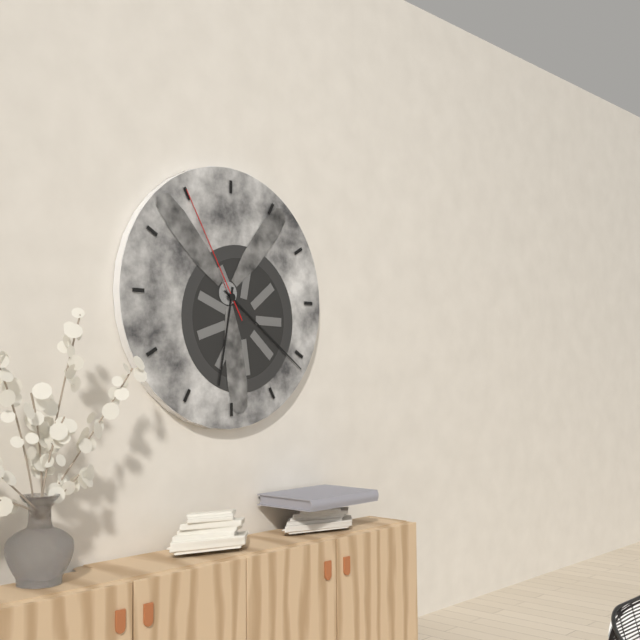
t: 6:21:55
